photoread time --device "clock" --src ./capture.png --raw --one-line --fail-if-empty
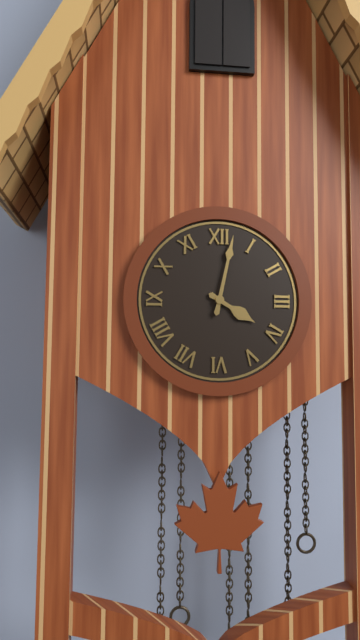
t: 4:02
